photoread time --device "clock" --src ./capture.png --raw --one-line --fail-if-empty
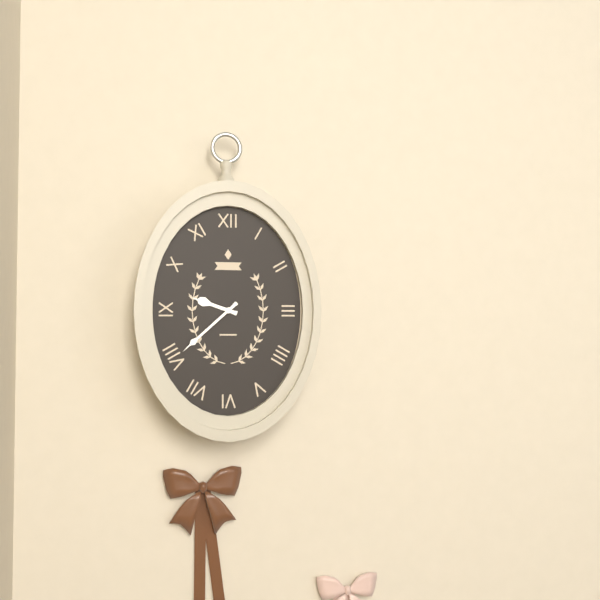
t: 9:38
